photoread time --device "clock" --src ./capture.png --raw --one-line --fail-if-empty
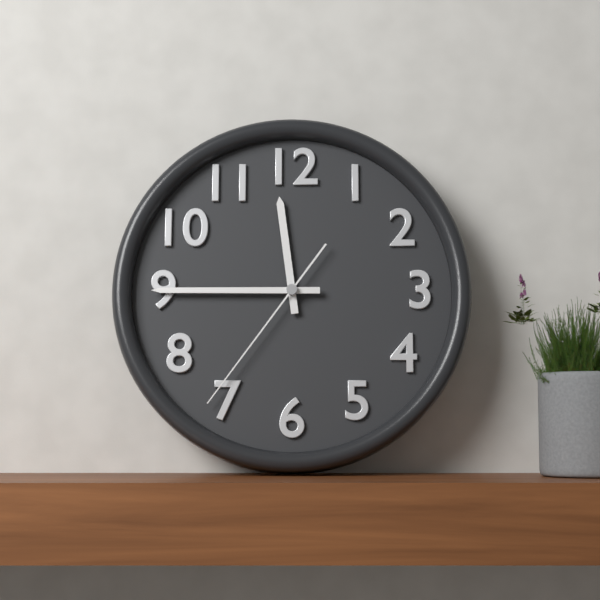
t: 11:45:36
